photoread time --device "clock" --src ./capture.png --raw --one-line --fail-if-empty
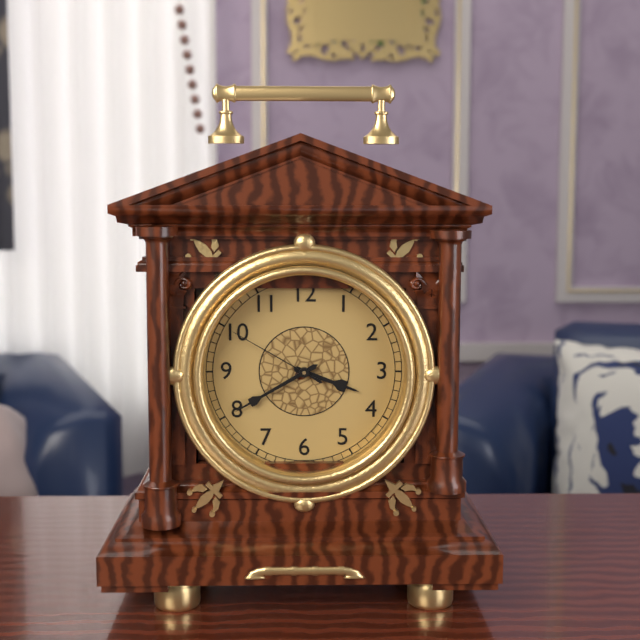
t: 3:40:50
